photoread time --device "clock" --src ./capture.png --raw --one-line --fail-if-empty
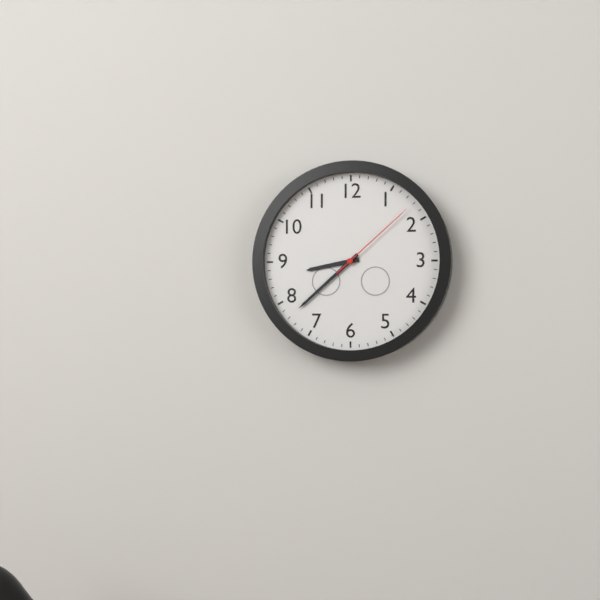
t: 8:38:08
